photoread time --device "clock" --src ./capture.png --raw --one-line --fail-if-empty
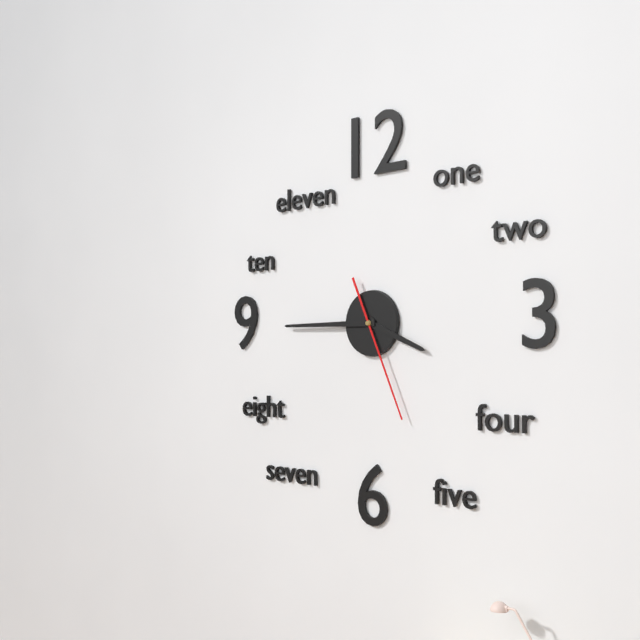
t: 3:45:26
